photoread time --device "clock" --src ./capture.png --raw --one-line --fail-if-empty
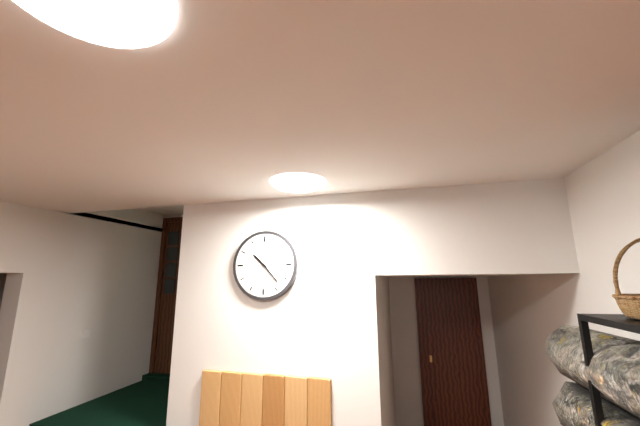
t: 10:23
